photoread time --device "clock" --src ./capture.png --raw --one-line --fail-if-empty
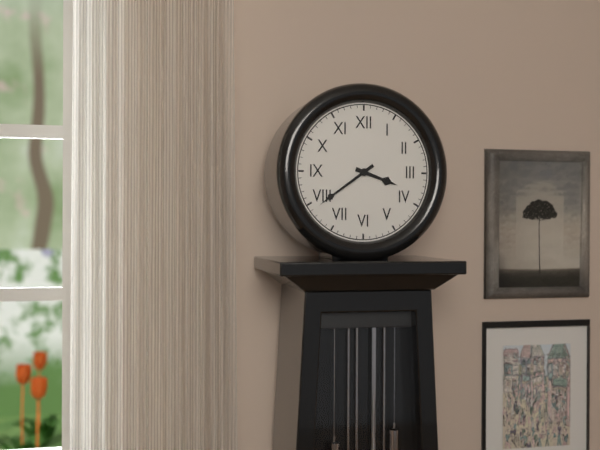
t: 3:39
